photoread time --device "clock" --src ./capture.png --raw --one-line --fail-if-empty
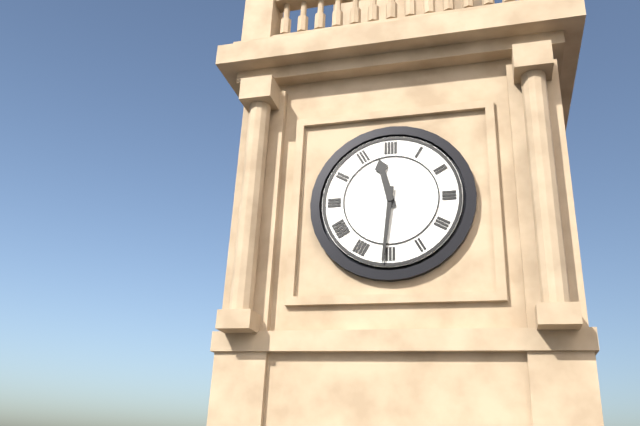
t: 11:31
